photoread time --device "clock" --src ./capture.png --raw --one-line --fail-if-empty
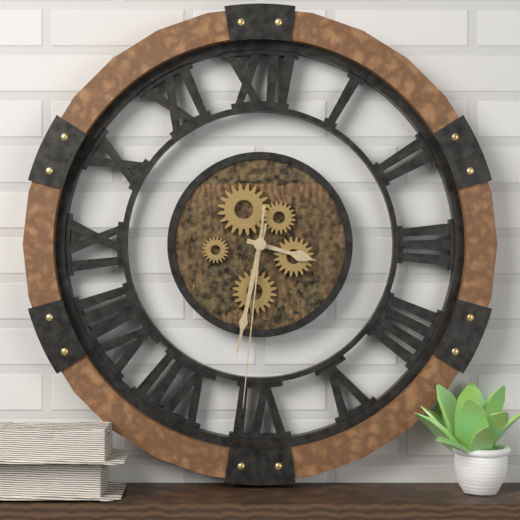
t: 3:32:31
